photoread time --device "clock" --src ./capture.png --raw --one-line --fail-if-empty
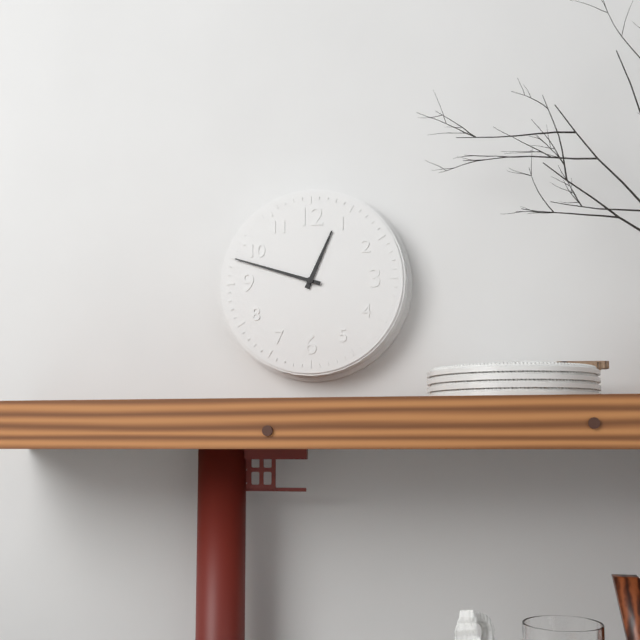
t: 12:48
